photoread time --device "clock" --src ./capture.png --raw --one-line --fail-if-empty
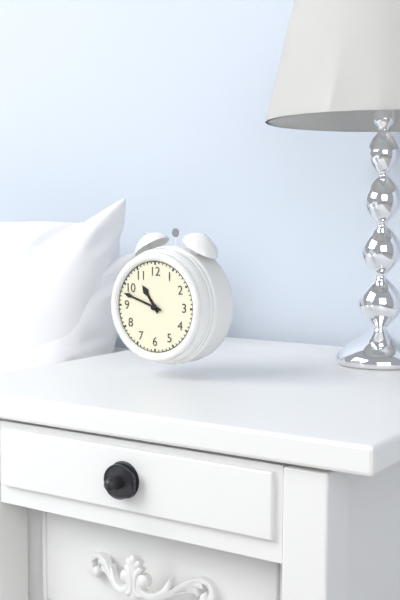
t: 10:48
